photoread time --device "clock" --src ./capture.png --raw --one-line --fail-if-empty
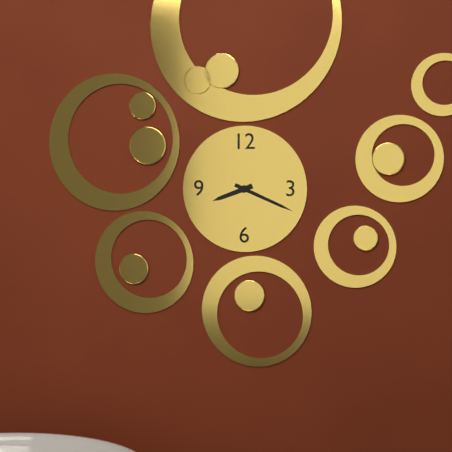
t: 8:19
